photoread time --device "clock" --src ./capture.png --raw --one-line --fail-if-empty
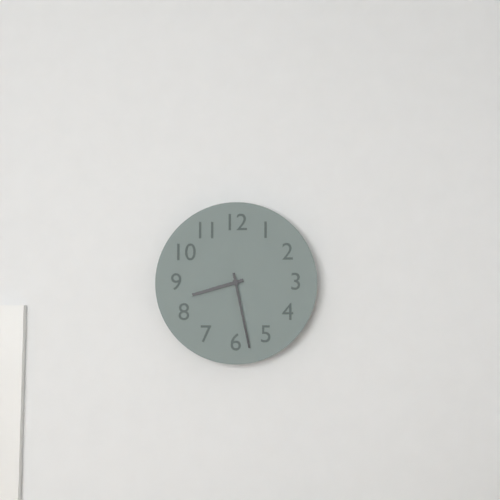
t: 8:28
